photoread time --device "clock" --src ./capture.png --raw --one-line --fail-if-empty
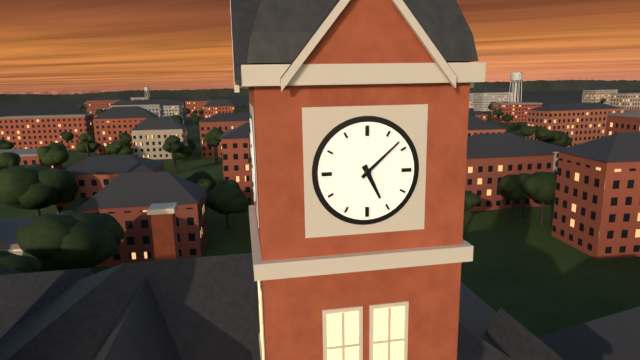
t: 5:08
